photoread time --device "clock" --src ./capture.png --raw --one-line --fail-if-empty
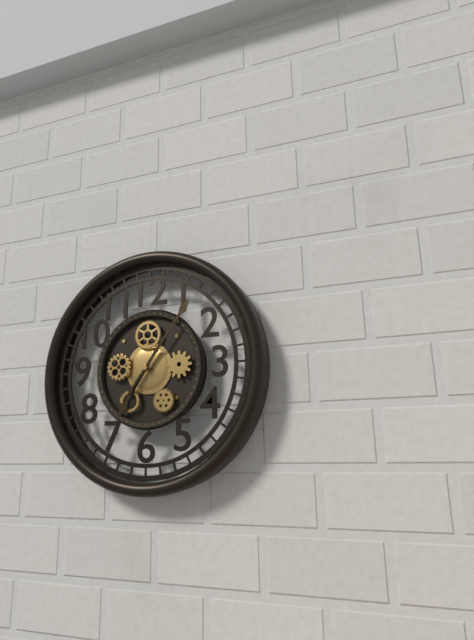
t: 7:06
